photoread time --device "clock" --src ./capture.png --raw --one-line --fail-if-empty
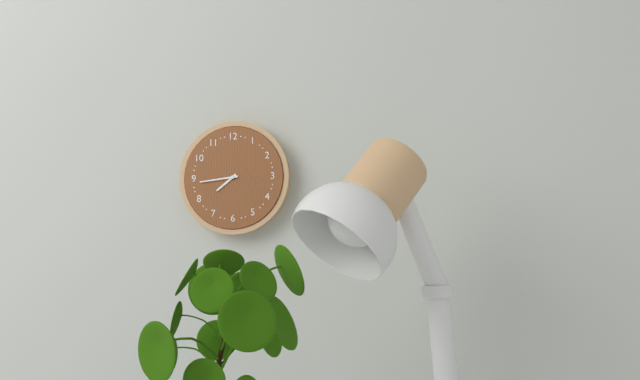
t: 7:44
